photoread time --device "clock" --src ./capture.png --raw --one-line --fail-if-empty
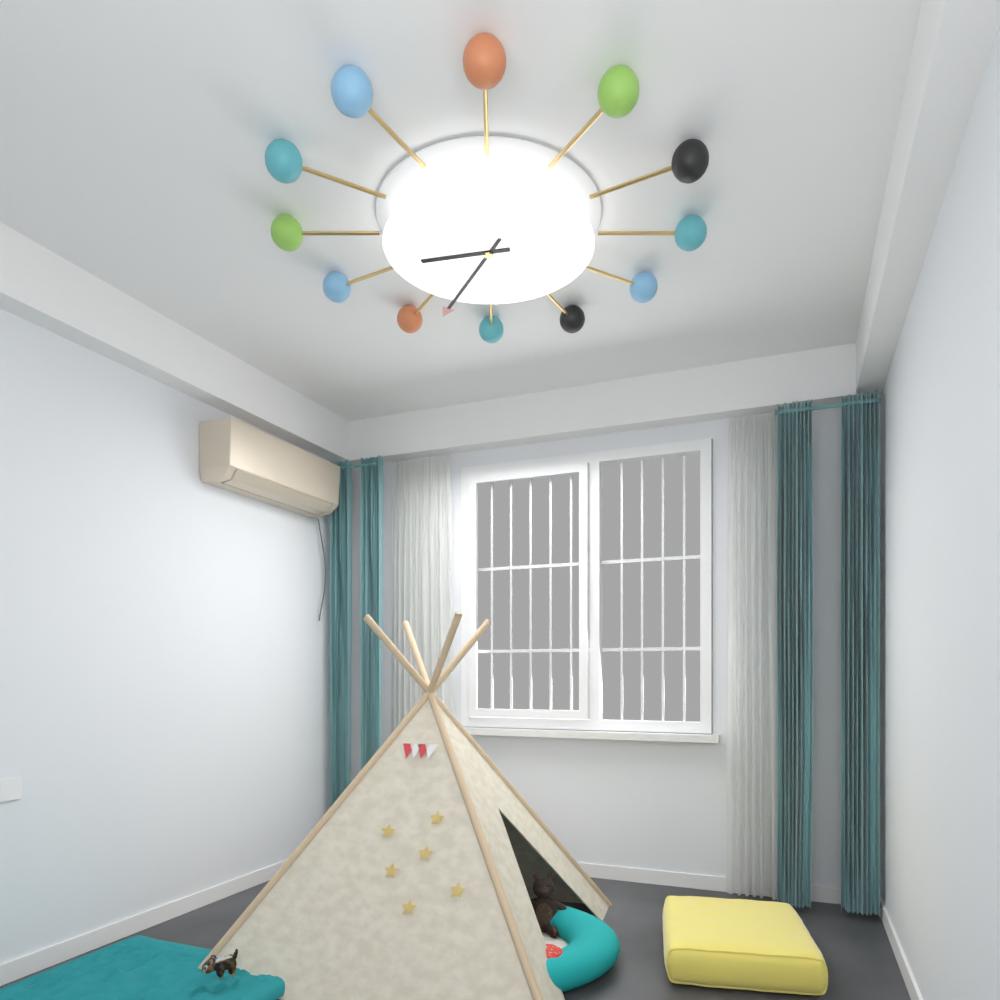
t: 8:34
